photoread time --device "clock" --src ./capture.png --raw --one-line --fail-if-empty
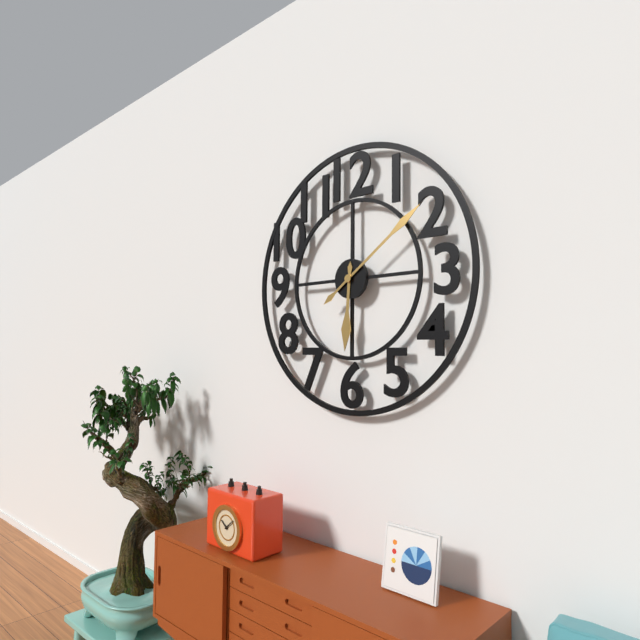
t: 6:09
